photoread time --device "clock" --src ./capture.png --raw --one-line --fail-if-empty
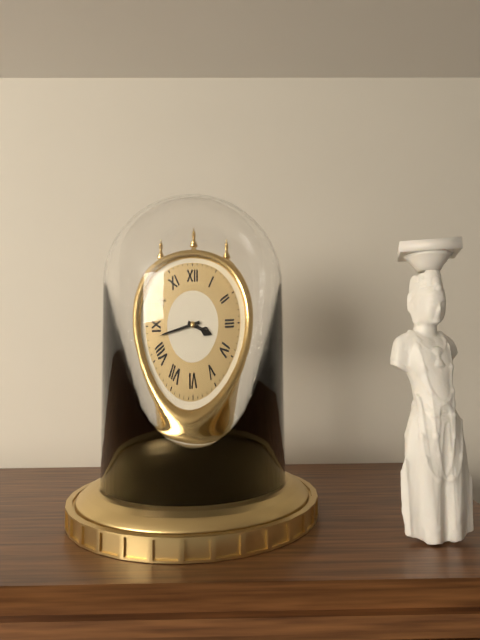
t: 3:43
